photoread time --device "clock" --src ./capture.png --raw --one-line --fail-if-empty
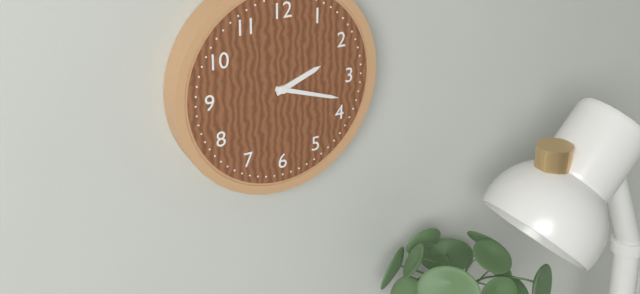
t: 2:18
